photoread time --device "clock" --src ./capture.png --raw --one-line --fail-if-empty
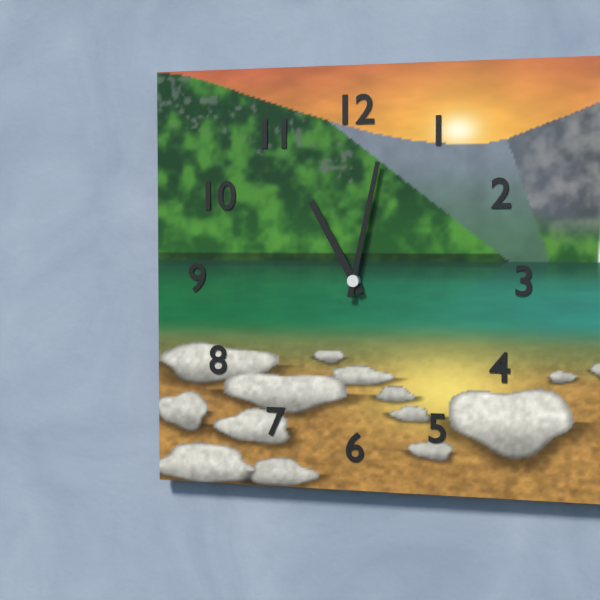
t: 11:02
